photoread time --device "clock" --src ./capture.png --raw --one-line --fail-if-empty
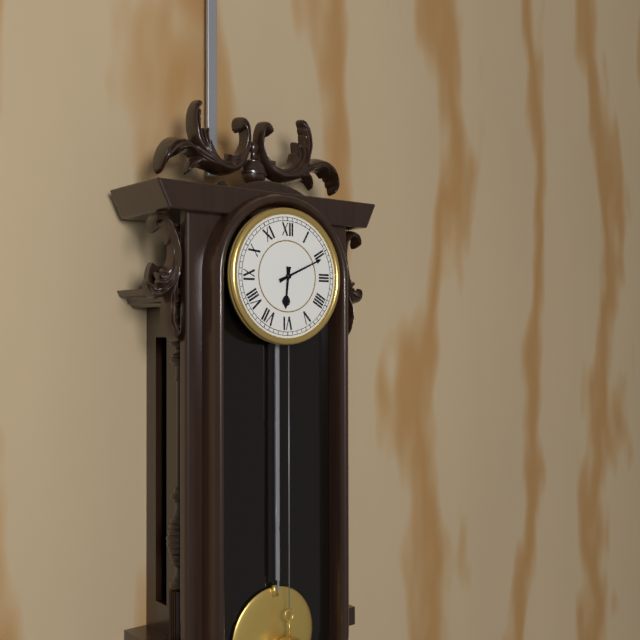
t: 6:11
